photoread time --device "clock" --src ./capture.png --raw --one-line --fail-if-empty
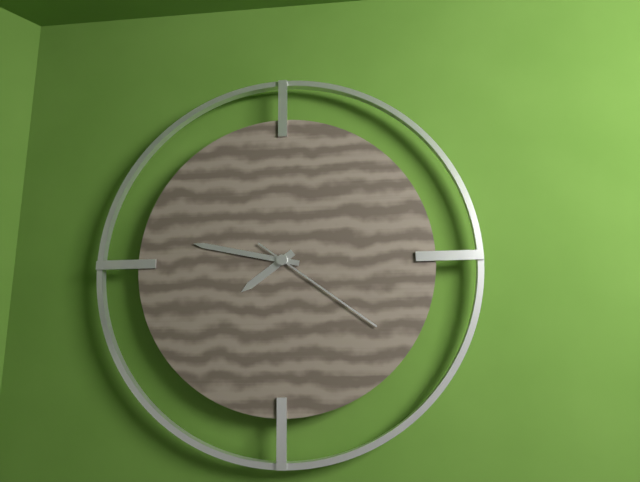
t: 7:47:21
